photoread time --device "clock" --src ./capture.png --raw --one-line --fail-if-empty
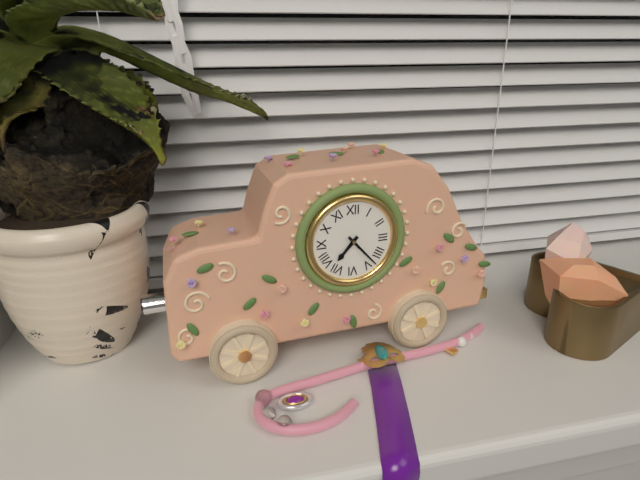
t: 7:23
